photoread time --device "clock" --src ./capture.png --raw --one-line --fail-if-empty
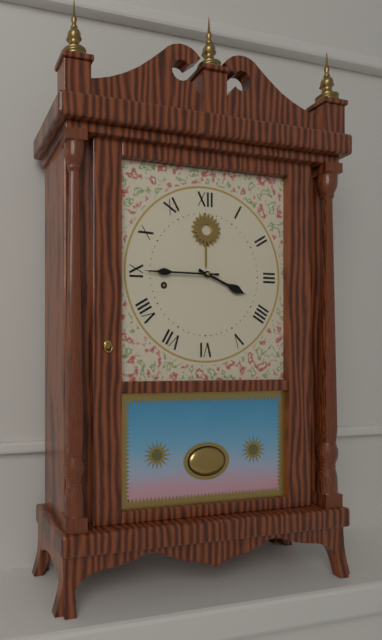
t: 3:45
